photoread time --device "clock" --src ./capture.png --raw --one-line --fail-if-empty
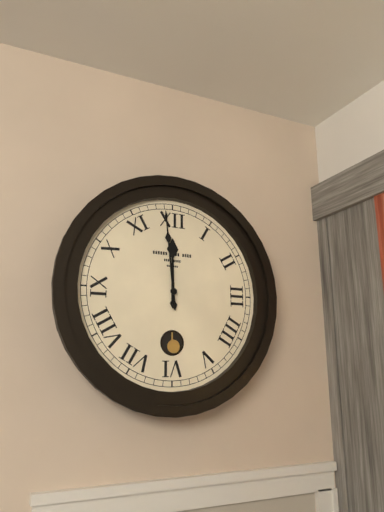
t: 11:59
